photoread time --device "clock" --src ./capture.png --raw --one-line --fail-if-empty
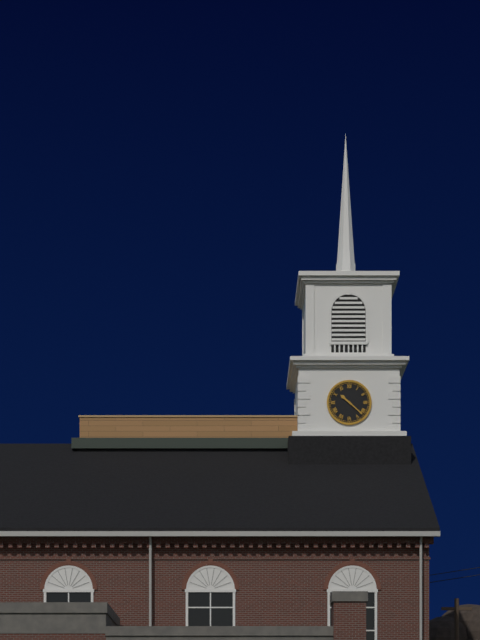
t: 10:22
